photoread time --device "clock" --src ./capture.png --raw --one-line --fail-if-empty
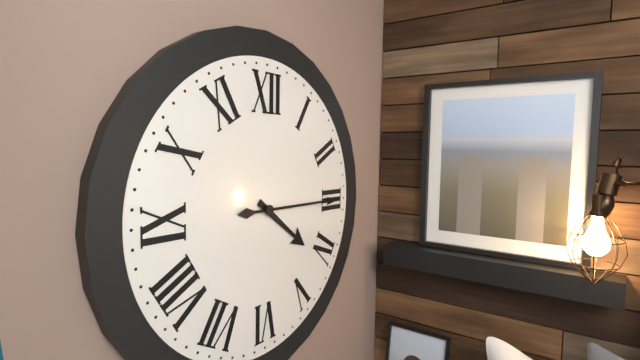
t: 4:15
